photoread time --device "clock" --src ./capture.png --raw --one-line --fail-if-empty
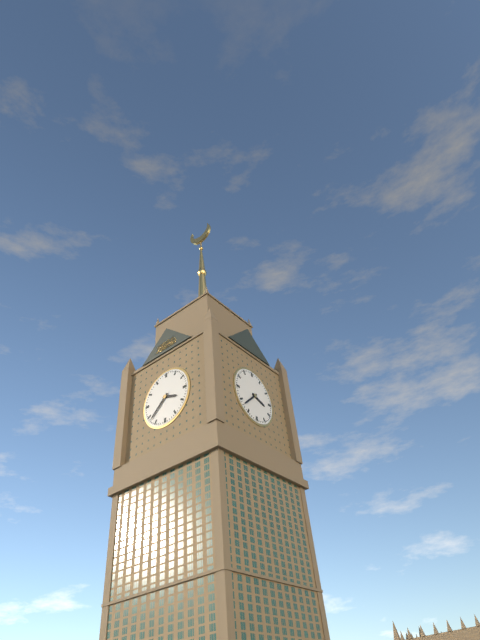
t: 3:38
